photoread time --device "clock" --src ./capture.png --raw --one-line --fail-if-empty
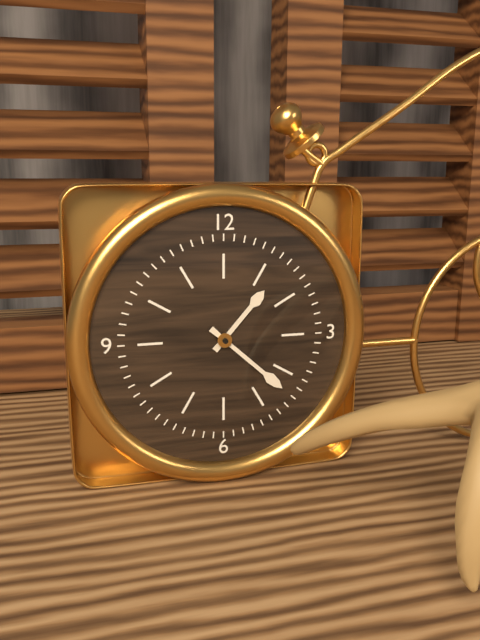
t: 1:22
